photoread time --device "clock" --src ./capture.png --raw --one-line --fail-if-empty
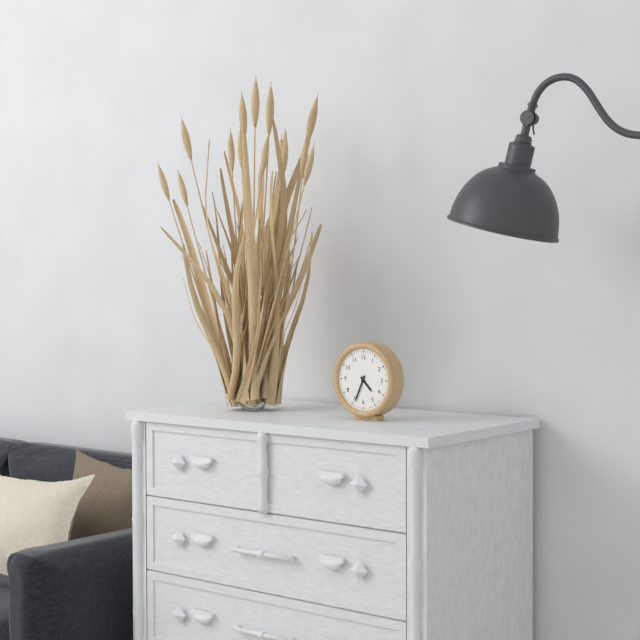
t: 4:34
